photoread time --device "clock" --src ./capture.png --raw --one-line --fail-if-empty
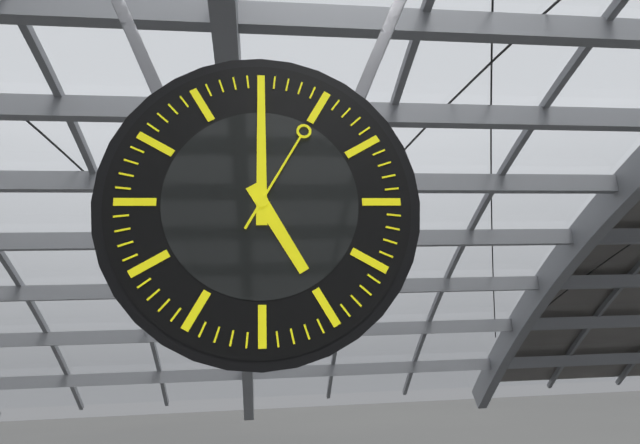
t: 5:00:05
